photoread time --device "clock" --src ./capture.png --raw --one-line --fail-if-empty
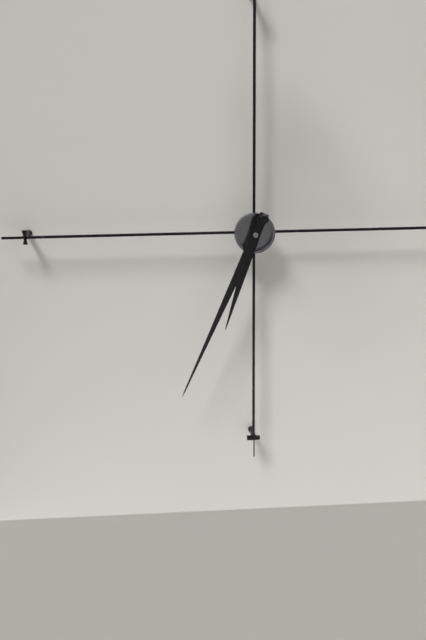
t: 6:34
